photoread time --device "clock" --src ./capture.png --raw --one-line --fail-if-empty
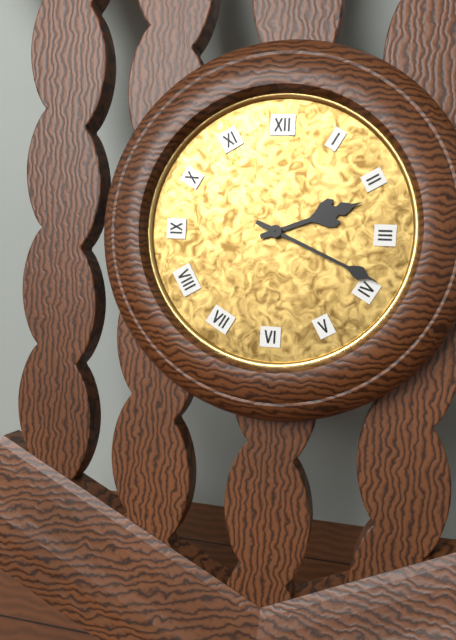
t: 2:19
